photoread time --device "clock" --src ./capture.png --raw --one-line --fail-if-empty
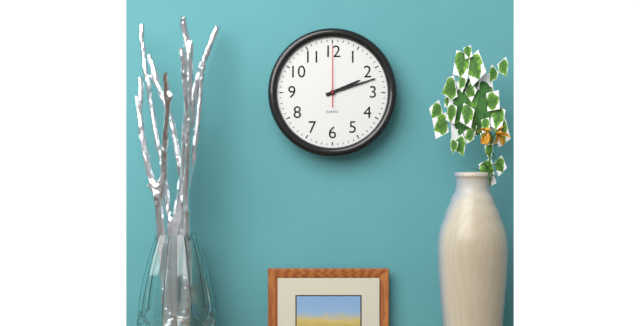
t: 2:12:00
